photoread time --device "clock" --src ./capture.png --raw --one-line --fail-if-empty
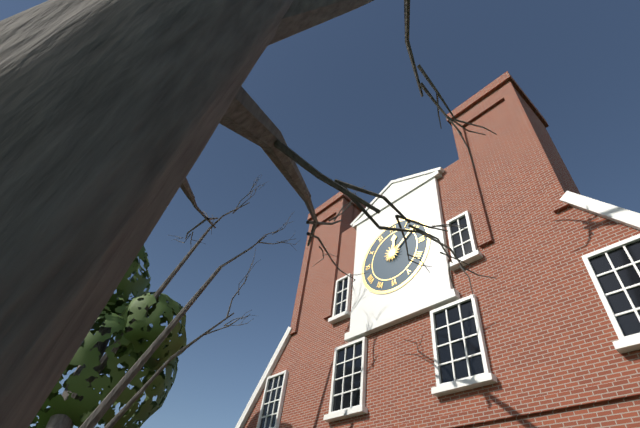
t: 12:09
